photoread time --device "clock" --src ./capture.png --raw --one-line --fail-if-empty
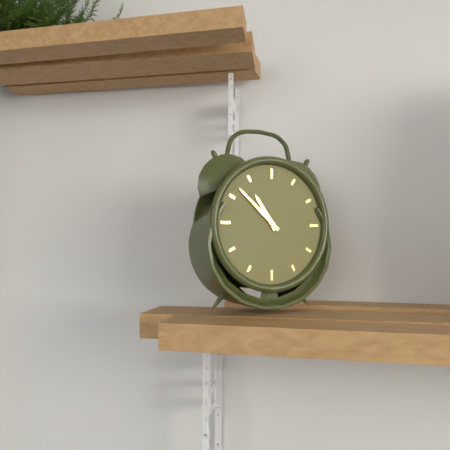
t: 10:52
